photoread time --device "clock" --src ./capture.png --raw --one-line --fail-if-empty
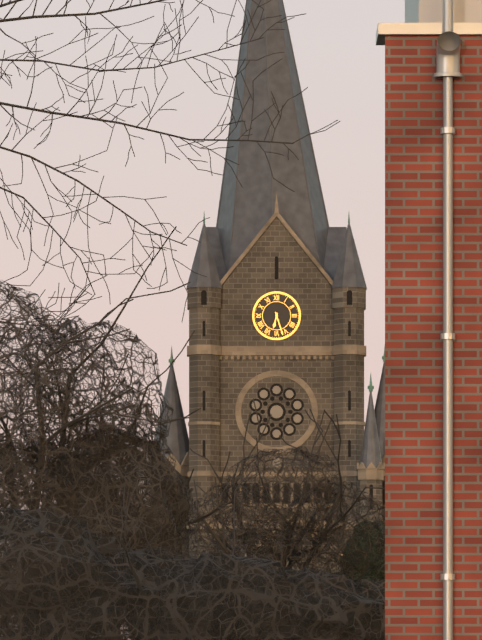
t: 6:27
